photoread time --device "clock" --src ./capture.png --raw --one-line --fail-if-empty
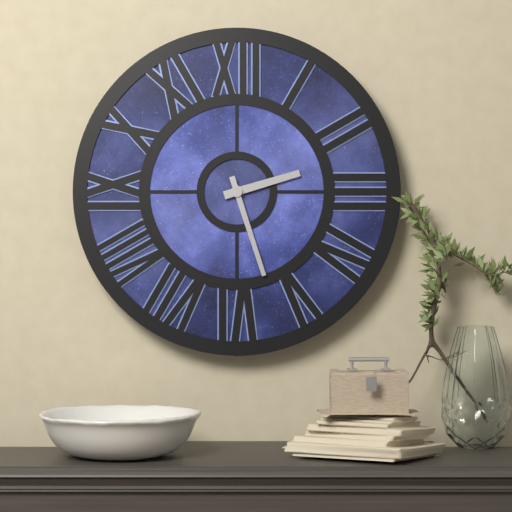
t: 2:27
